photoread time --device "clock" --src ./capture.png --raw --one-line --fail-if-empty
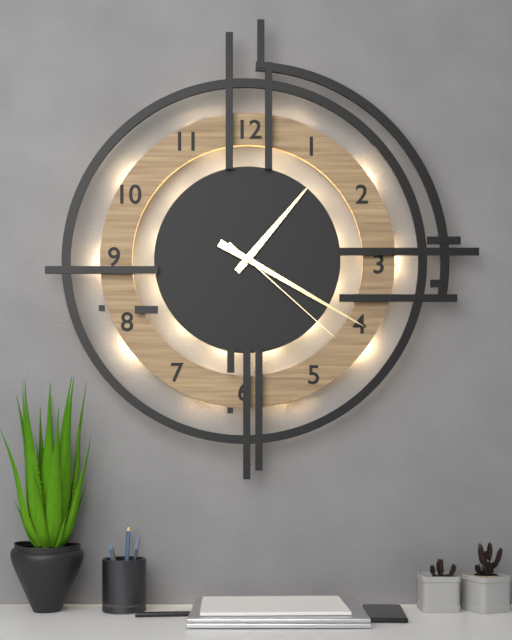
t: 1:20:22
